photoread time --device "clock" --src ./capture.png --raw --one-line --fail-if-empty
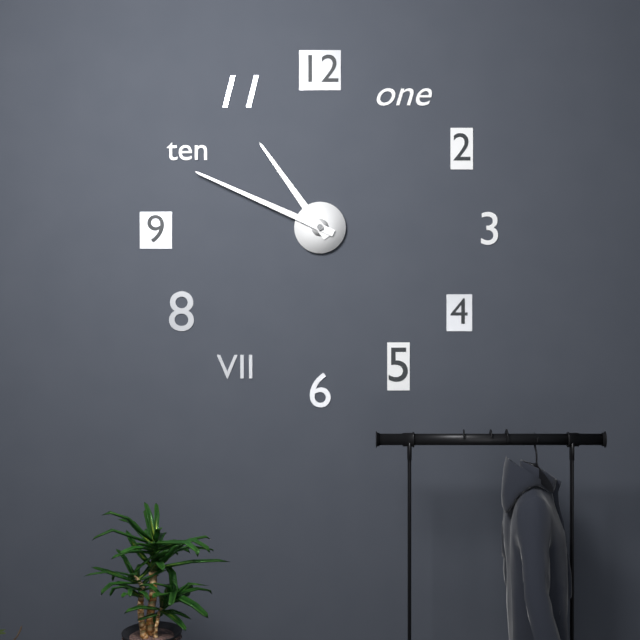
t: 10:49
